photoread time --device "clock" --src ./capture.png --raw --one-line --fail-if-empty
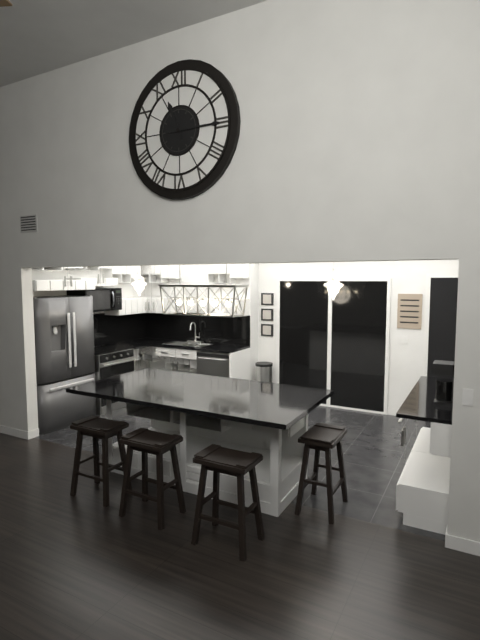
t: 11:15
